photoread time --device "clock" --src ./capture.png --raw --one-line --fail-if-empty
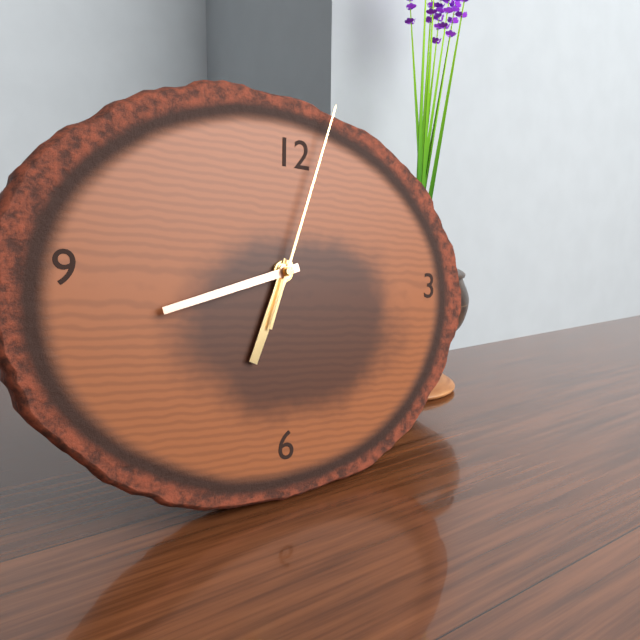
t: 6:42:03
